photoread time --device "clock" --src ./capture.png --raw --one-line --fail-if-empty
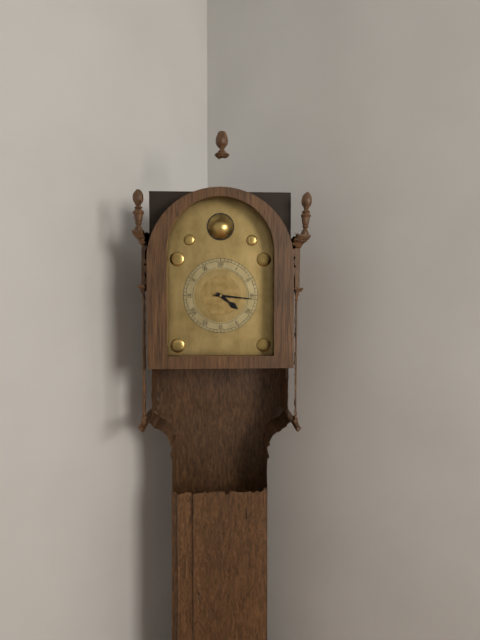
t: 4:16
